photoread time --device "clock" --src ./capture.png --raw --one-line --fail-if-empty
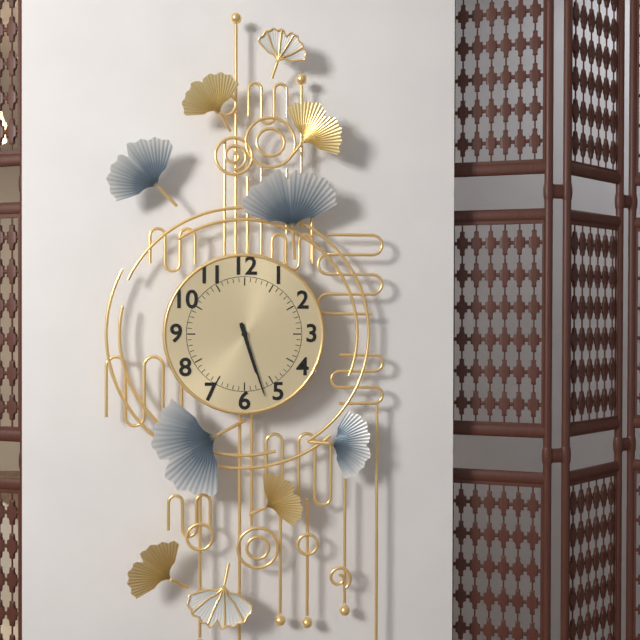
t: 5:27
